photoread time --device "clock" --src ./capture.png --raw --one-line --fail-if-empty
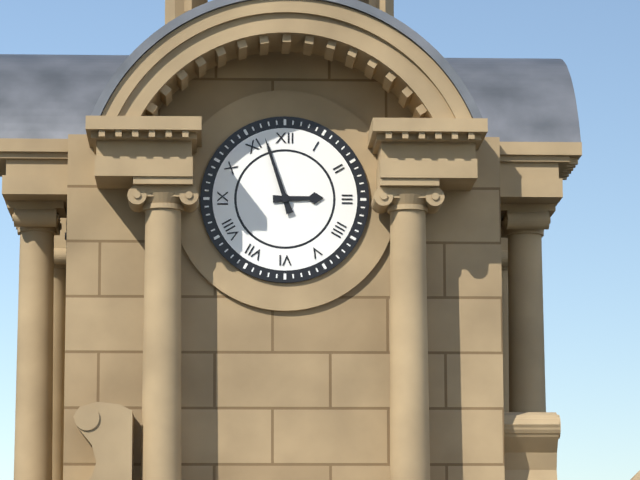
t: 2:57
